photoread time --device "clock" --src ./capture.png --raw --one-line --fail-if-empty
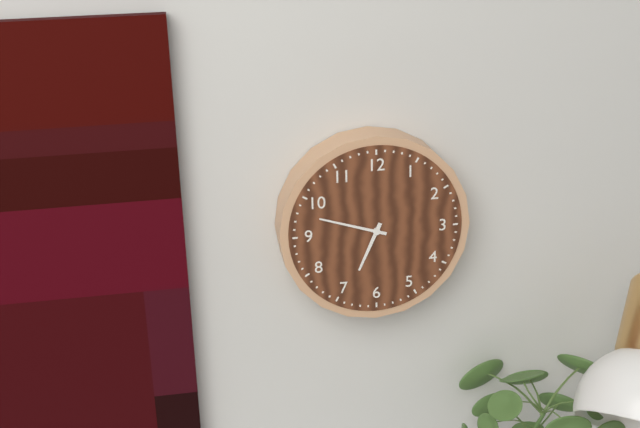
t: 6:48
